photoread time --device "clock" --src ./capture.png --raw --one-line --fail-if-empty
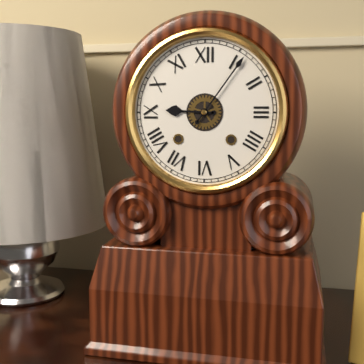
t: 9:06
